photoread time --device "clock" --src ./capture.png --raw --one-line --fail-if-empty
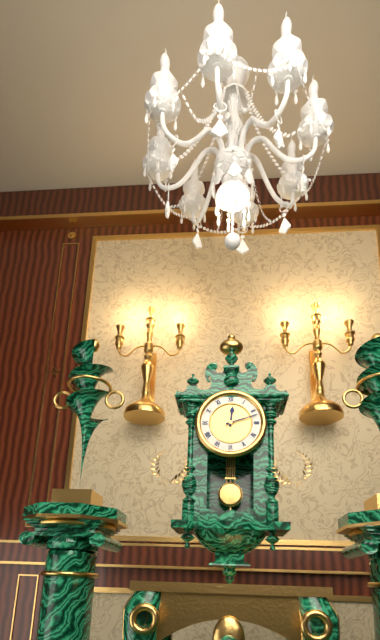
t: 12:12
